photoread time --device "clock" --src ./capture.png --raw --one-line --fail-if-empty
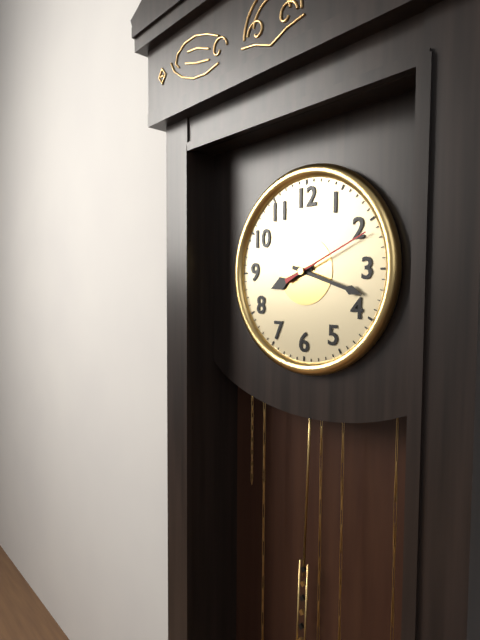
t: 8:18:11
